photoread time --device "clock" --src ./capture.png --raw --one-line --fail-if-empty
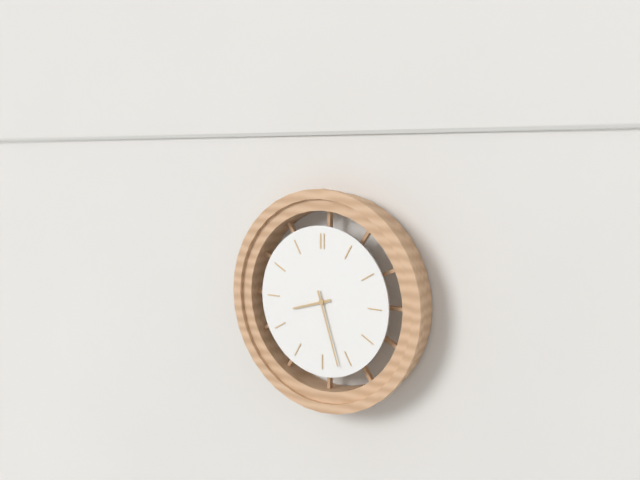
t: 8:27
